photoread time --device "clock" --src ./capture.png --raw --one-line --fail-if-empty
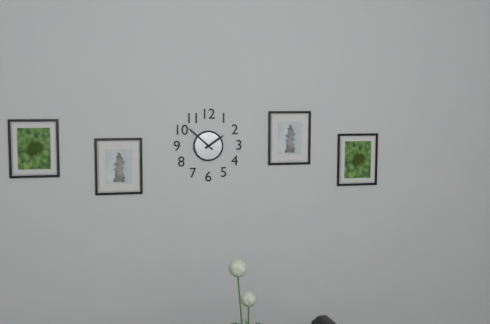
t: 1:52
